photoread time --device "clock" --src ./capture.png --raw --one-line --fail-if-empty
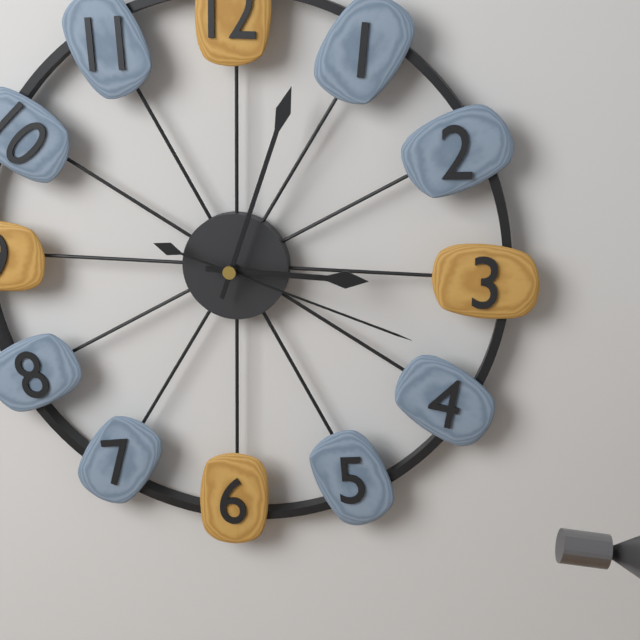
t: 3:03:18
